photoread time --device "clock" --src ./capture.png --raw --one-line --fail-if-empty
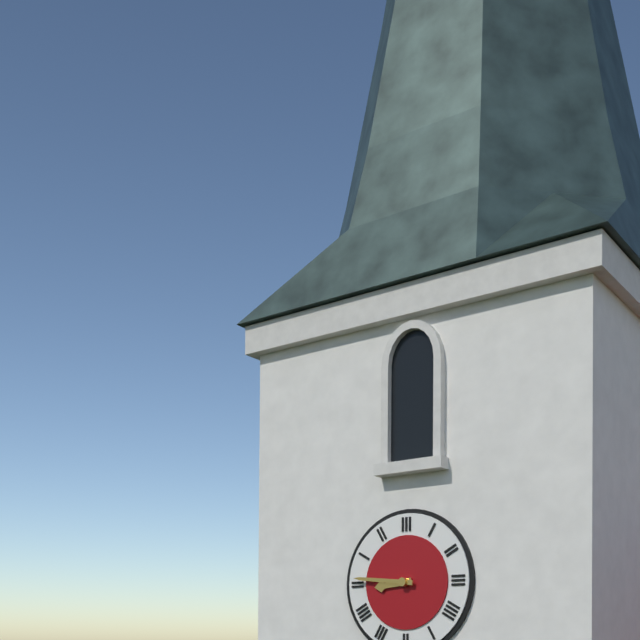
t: 8:46
